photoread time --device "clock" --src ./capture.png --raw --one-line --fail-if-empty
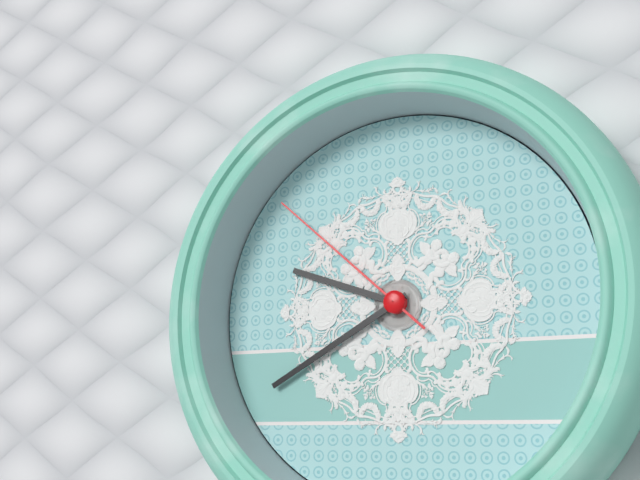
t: 9:40:52
